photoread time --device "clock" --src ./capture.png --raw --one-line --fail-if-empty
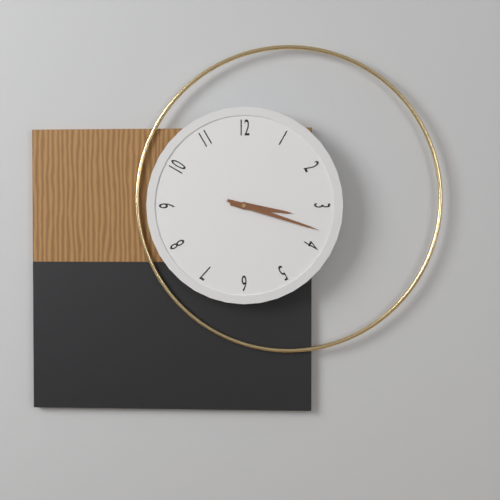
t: 3:18
